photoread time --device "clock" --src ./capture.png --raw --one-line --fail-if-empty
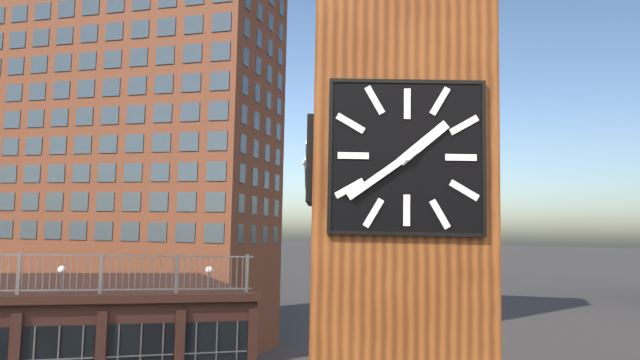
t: 1:39
